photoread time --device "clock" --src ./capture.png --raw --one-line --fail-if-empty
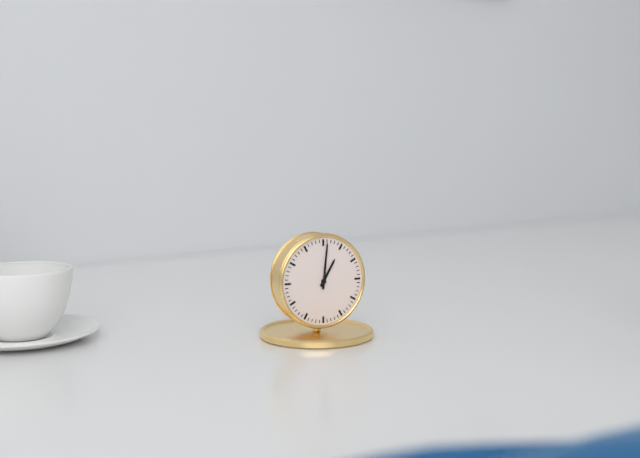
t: 1:01
